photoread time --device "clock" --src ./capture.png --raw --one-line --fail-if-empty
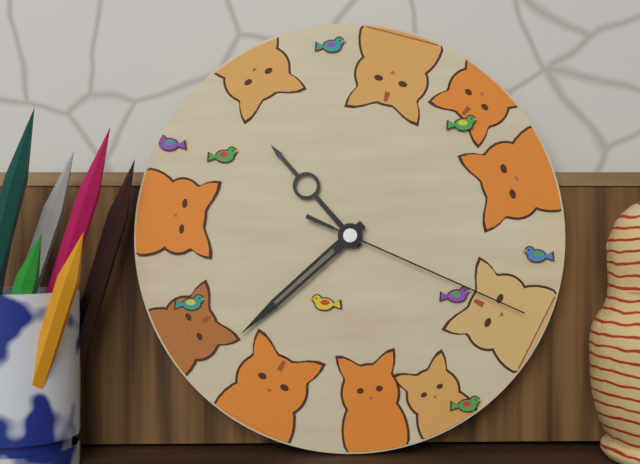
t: 10:38:19
